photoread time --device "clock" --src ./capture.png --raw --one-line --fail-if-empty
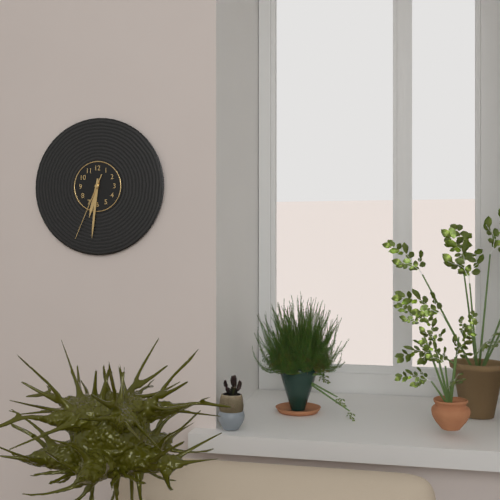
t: 6:31:34
